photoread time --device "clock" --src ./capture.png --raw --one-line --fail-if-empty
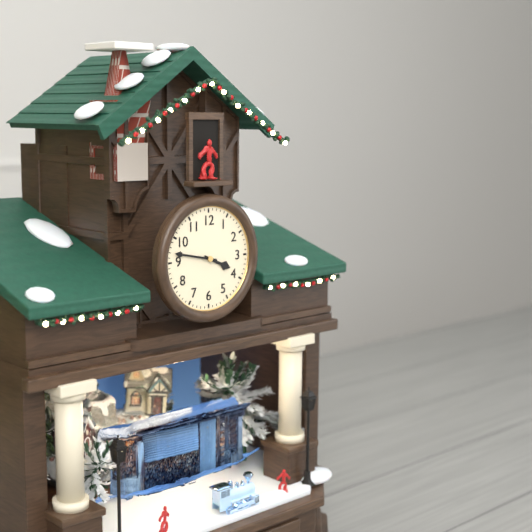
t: 3:47
